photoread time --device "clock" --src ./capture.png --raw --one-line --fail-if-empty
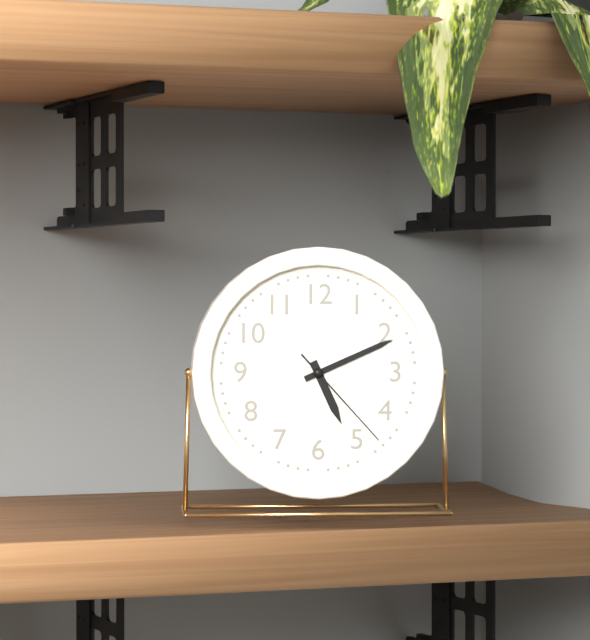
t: 5:11:23
